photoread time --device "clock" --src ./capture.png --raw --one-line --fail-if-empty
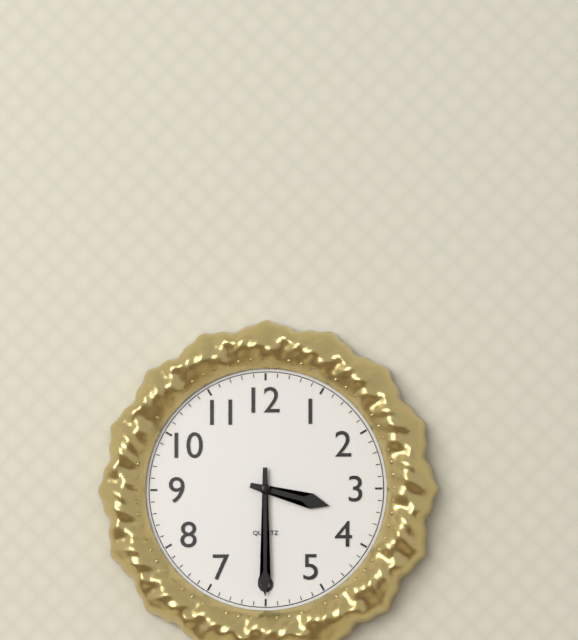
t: 3:30
